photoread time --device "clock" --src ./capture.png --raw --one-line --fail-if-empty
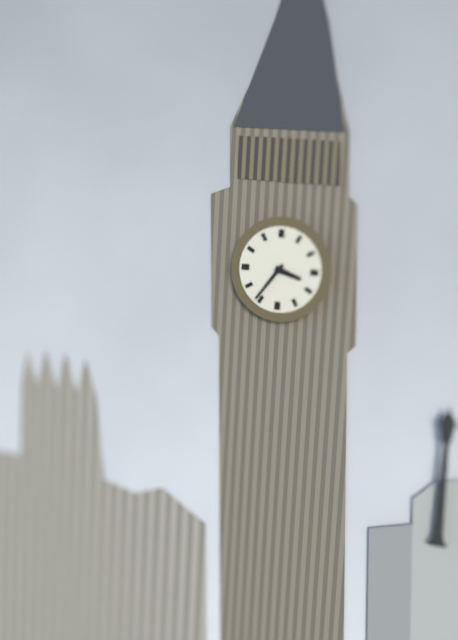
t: 3:36
